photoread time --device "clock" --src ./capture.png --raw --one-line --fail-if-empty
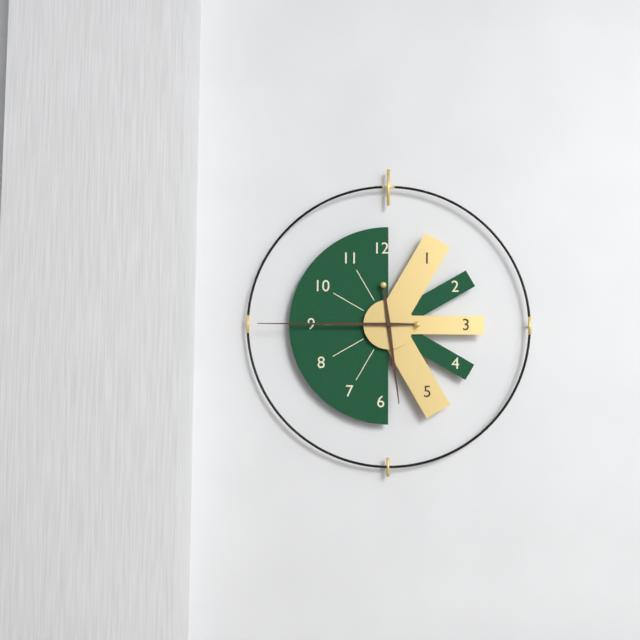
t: 5:45
